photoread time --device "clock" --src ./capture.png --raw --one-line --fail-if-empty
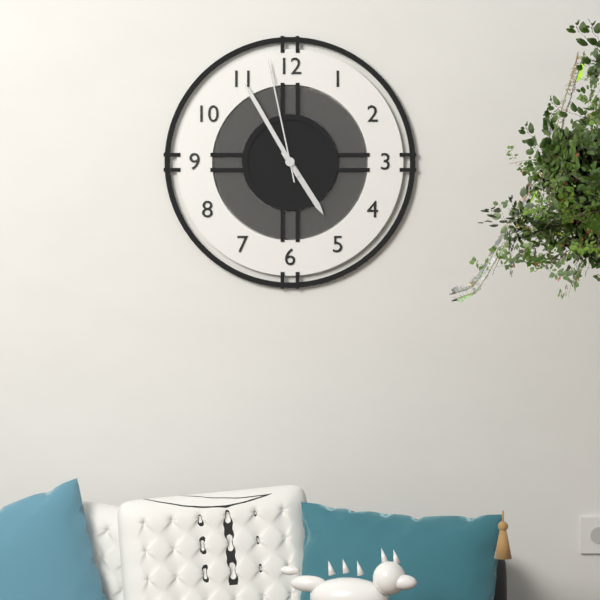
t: 4:55:58
